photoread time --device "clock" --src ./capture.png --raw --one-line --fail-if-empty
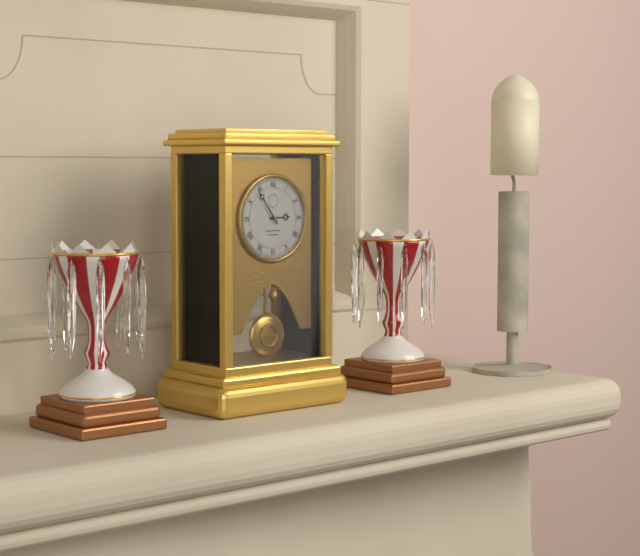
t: 2:54
